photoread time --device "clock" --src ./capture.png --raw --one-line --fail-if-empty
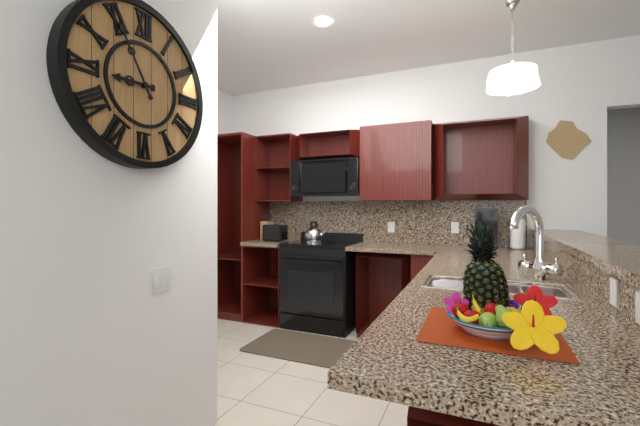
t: 8:55
